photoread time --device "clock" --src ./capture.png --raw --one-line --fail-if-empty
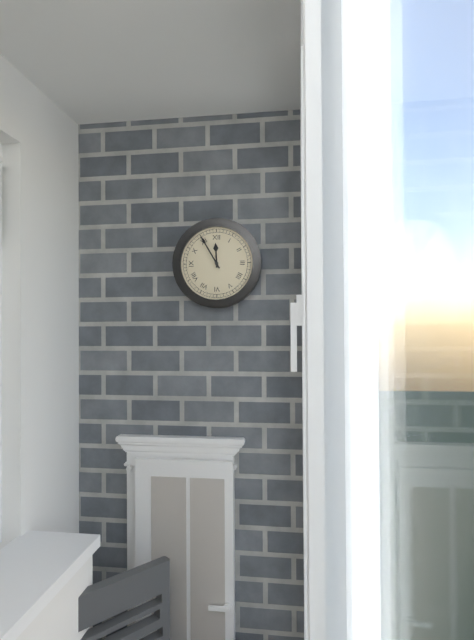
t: 11:55
